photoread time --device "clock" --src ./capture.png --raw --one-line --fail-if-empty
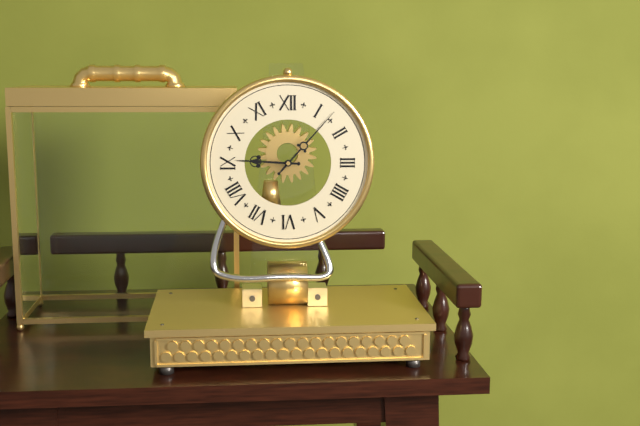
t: 9:07
